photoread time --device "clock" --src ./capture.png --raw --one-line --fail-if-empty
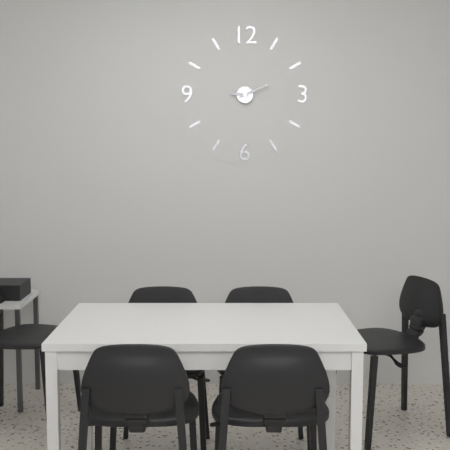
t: 9:11
